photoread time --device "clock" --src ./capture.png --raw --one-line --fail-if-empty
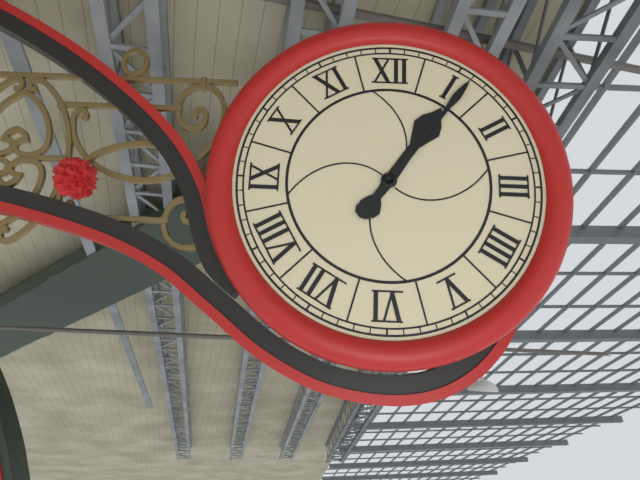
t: 1:06
